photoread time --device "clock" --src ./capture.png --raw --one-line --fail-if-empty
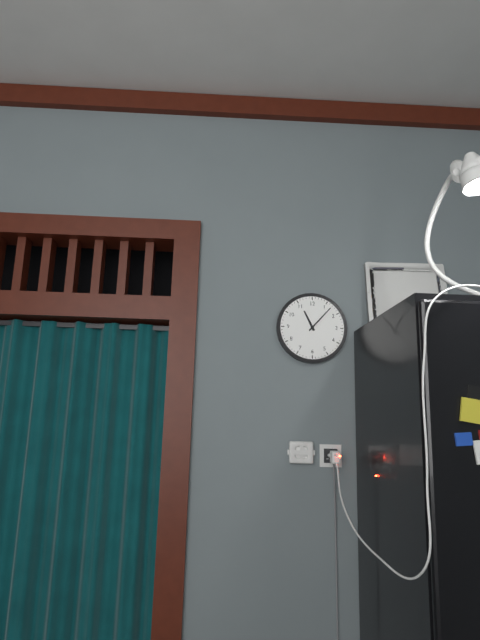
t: 11:07
